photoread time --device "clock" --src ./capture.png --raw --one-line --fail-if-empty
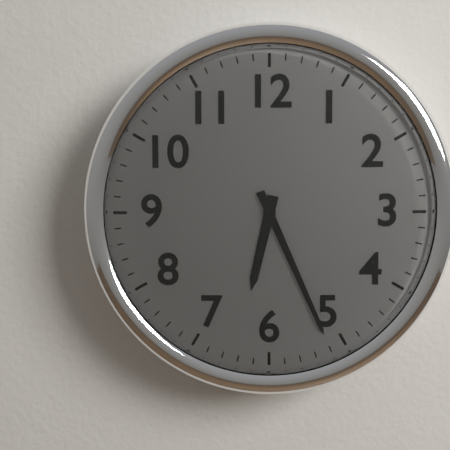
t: 6:26
